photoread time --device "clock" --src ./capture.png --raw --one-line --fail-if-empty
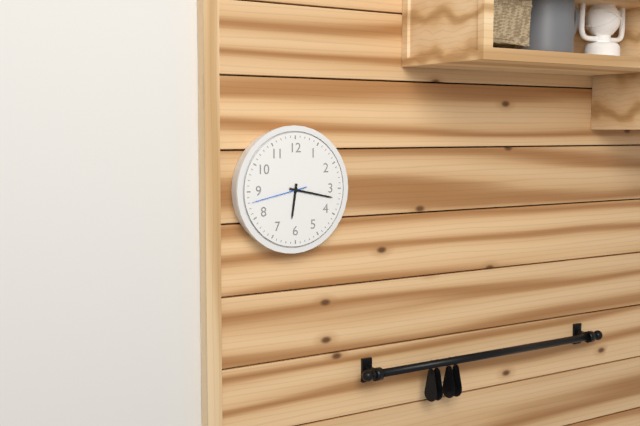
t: 6:17:43
